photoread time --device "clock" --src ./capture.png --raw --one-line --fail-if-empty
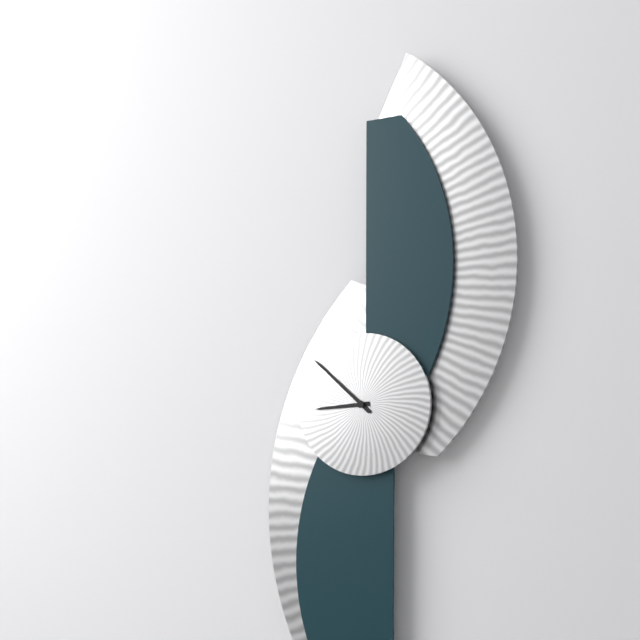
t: 8:52
